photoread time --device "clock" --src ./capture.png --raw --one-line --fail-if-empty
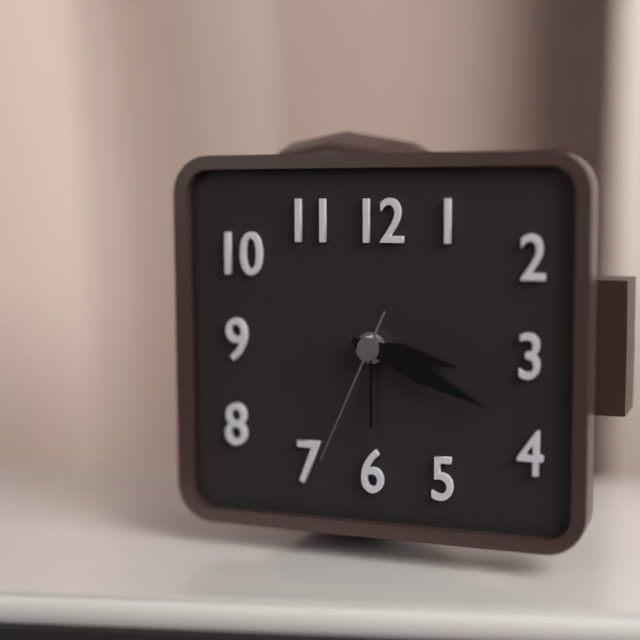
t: 3:19:34
